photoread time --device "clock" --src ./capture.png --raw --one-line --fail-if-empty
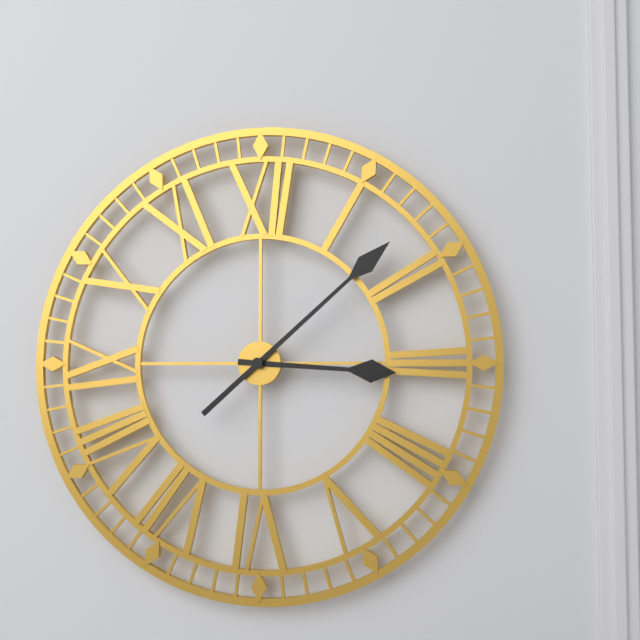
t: 3:08
